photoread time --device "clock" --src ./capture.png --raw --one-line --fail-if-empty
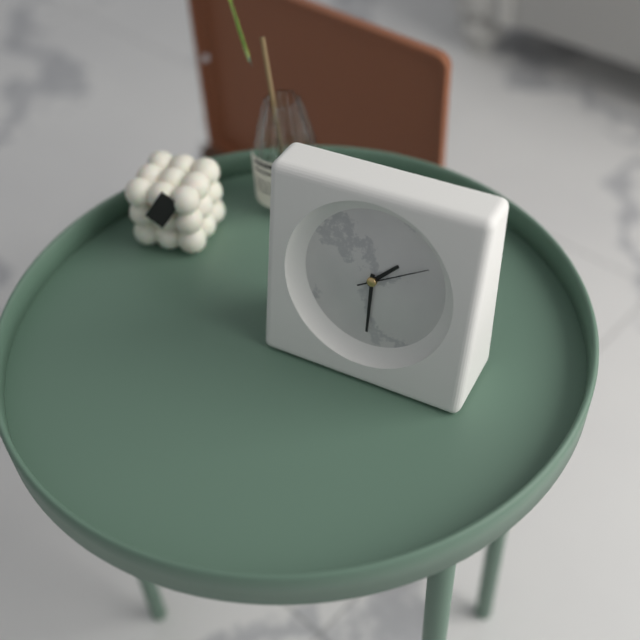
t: 1:30:10
